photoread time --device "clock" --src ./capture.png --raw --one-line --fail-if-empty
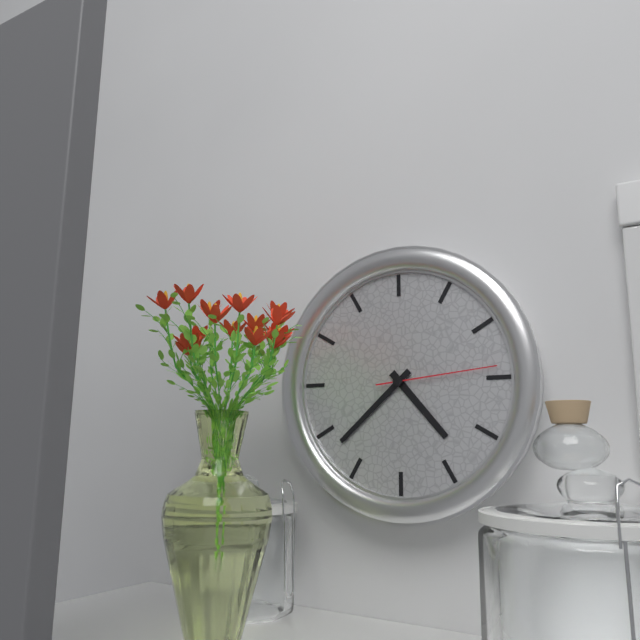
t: 4:38:14
